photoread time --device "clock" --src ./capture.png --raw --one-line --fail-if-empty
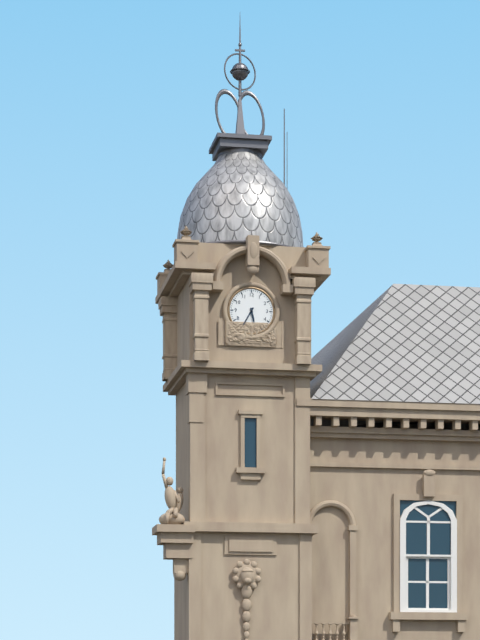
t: 5:35
